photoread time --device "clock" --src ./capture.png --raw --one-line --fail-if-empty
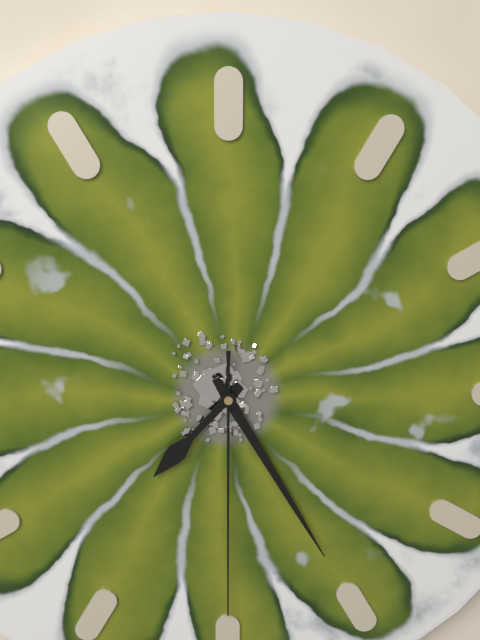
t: 7:25:30
